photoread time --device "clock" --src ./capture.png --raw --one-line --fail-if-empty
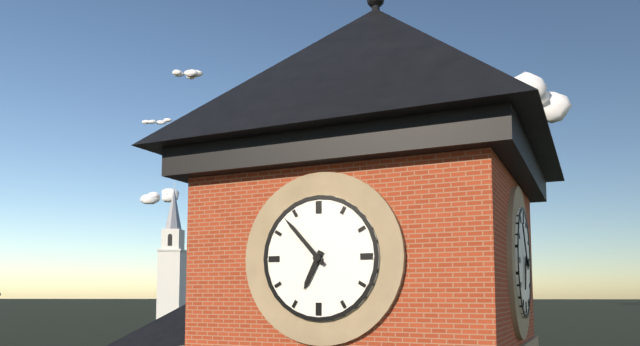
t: 6:53
